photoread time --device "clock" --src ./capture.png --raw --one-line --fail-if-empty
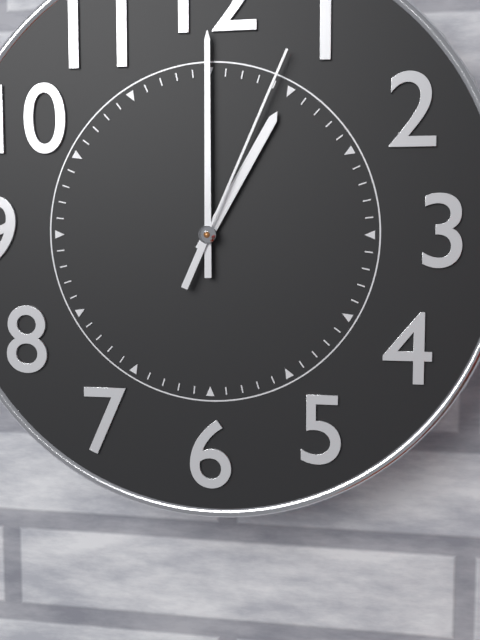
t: 1:00:04
